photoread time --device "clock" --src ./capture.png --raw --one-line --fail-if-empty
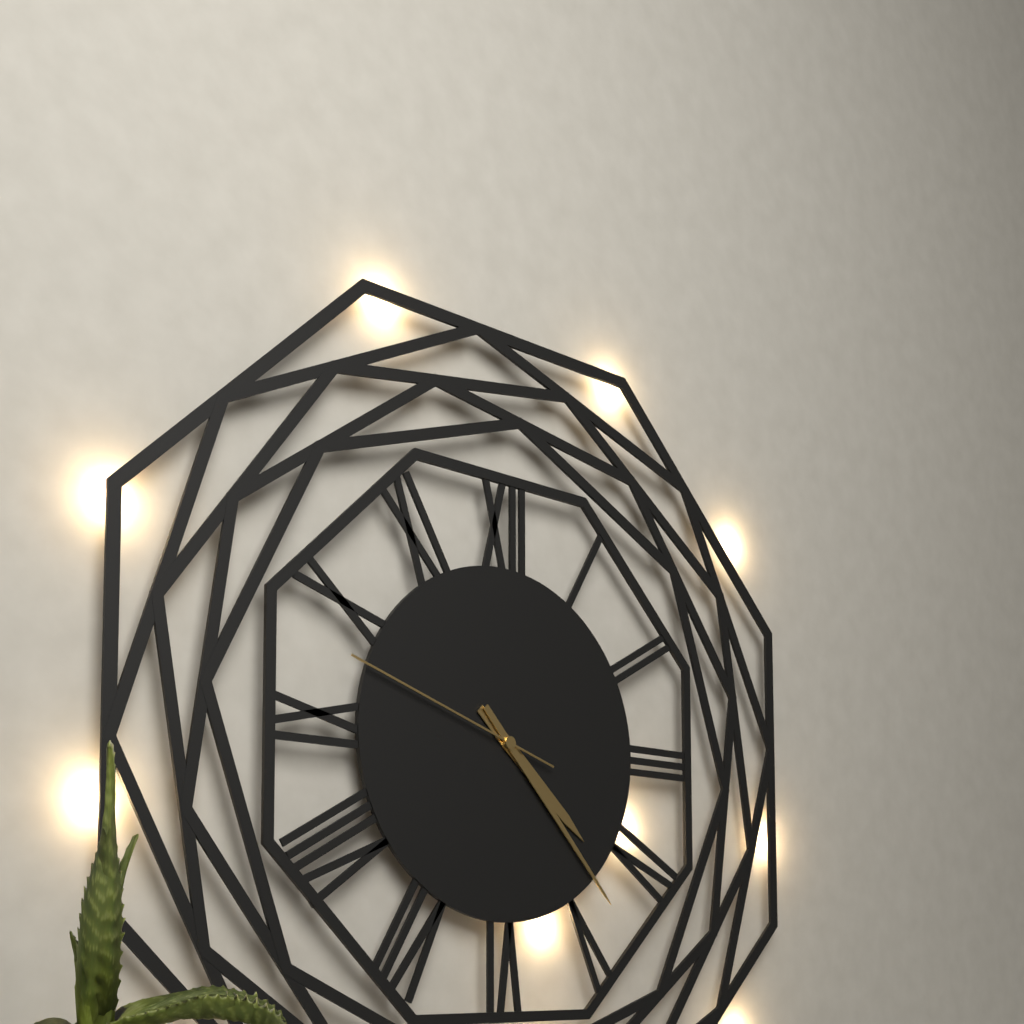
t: 4:23:48
